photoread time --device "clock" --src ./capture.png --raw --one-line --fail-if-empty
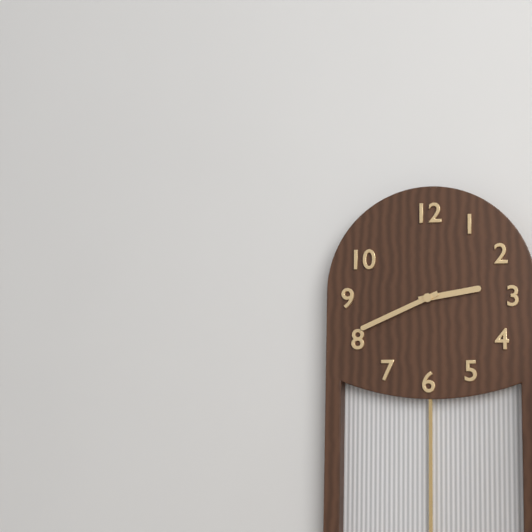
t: 2:41
